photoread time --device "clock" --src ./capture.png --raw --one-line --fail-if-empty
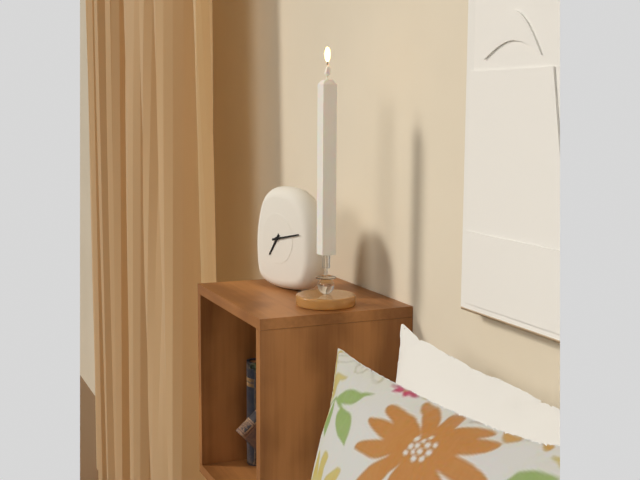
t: 7:13
